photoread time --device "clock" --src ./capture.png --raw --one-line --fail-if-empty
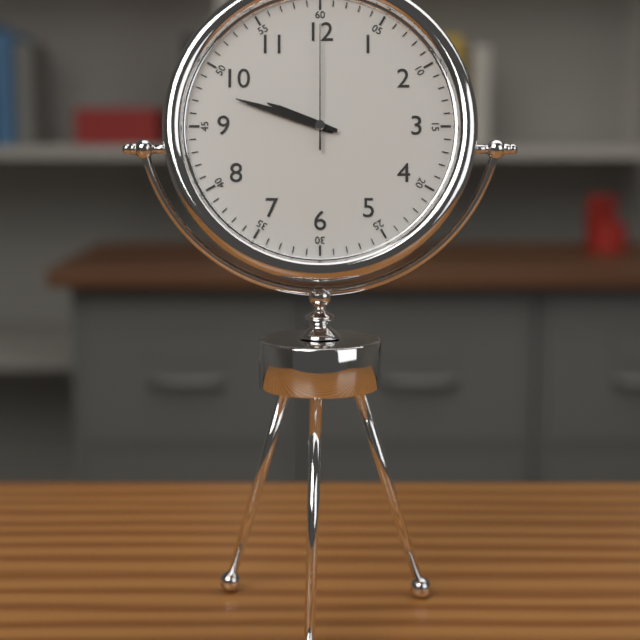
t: 9:48:00
